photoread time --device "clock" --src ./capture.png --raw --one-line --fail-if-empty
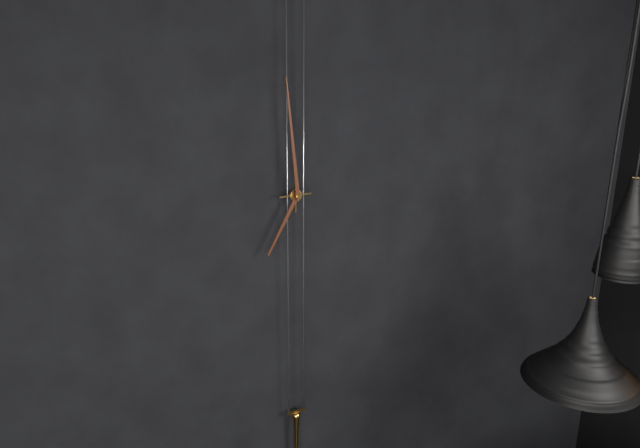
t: 6:59
